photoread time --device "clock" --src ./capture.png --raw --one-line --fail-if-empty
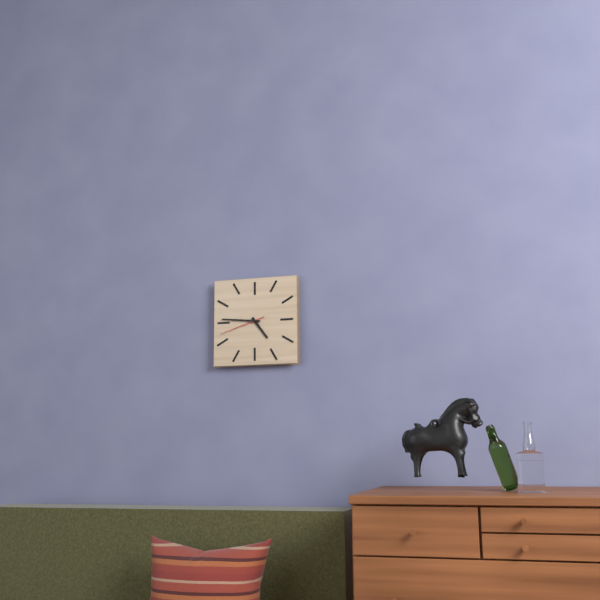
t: 4:46
